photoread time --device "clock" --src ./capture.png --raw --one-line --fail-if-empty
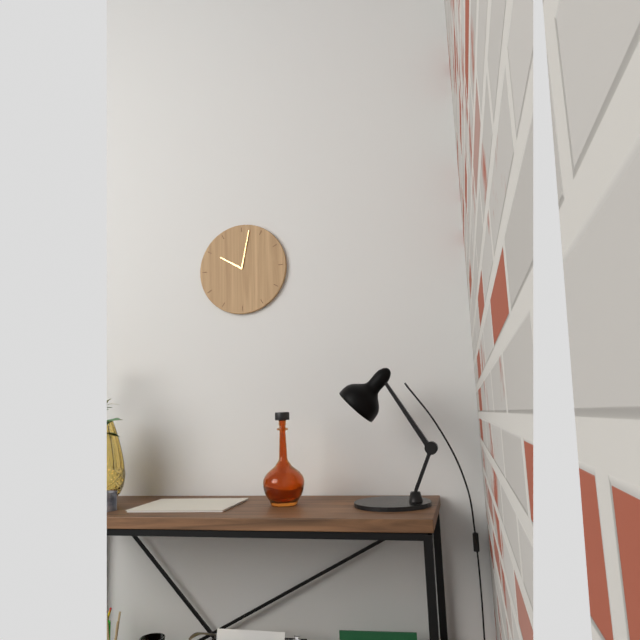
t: 10:02
